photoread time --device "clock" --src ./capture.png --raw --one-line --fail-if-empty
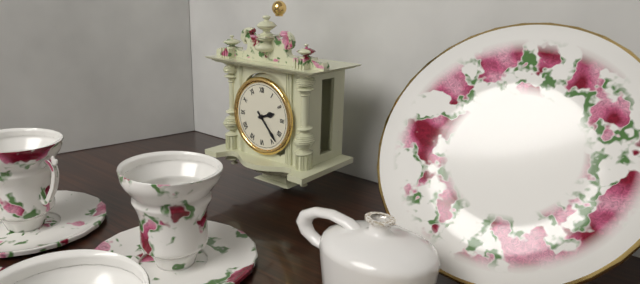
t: 2:23
